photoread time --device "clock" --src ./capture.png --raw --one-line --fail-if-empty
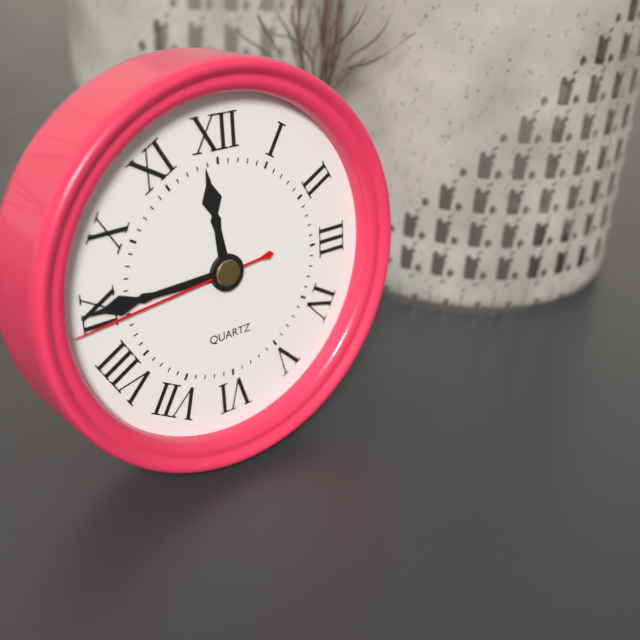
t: 11:45:44
